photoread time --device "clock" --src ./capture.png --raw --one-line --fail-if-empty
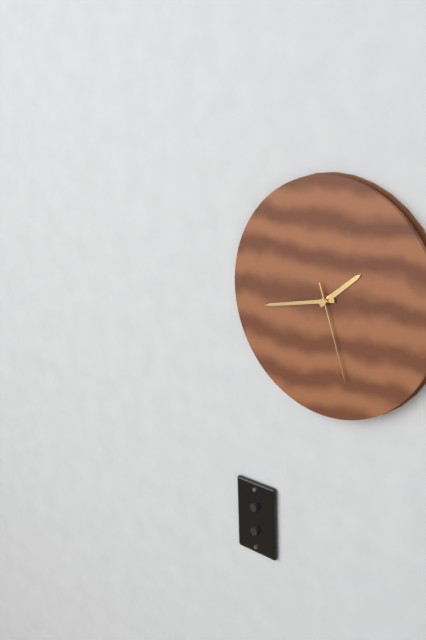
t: 1:43:27
